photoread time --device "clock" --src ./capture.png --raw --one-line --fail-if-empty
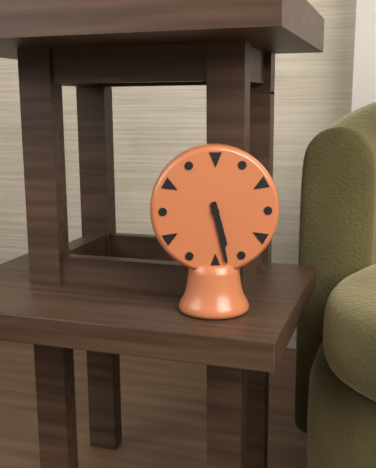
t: 5:28
